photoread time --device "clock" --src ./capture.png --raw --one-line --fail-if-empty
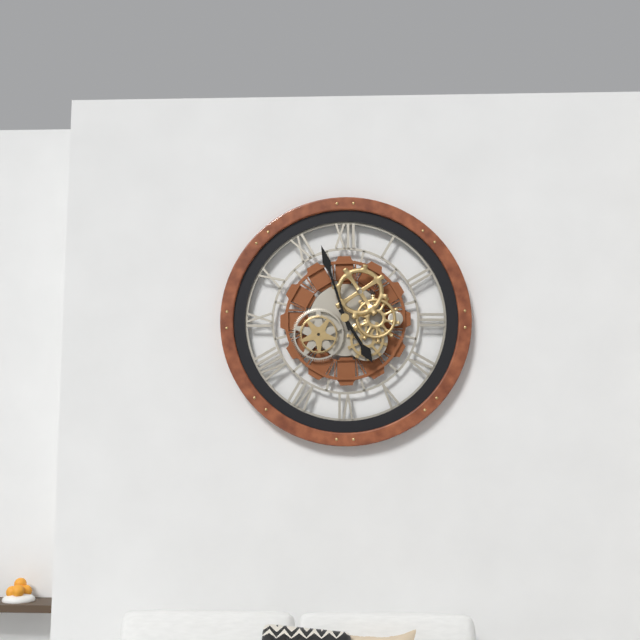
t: 4:57
